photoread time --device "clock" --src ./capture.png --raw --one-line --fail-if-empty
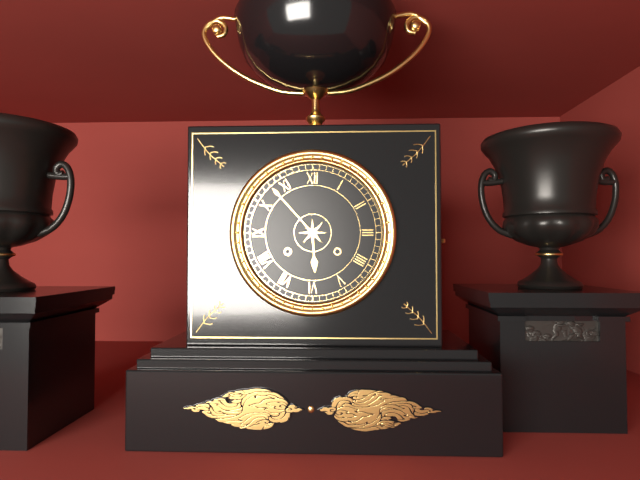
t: 5:53
